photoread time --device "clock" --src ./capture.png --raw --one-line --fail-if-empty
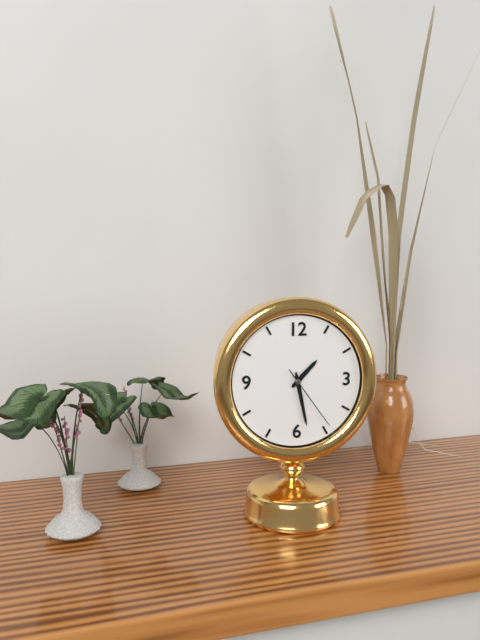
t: 1:28:24
